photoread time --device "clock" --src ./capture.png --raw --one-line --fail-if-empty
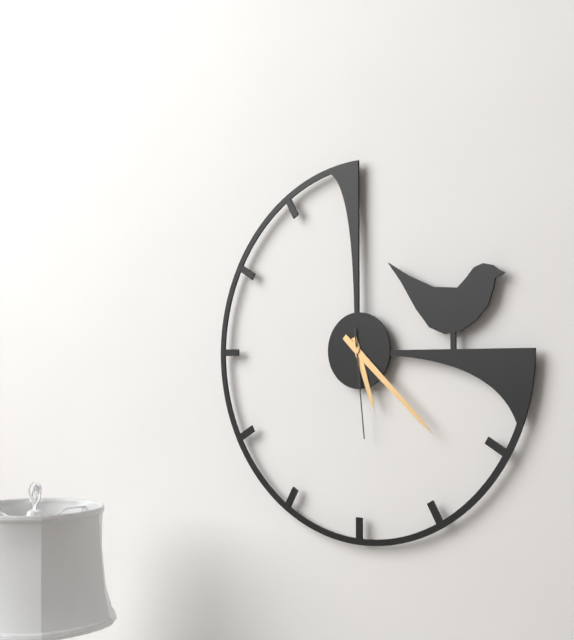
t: 5:22:29
